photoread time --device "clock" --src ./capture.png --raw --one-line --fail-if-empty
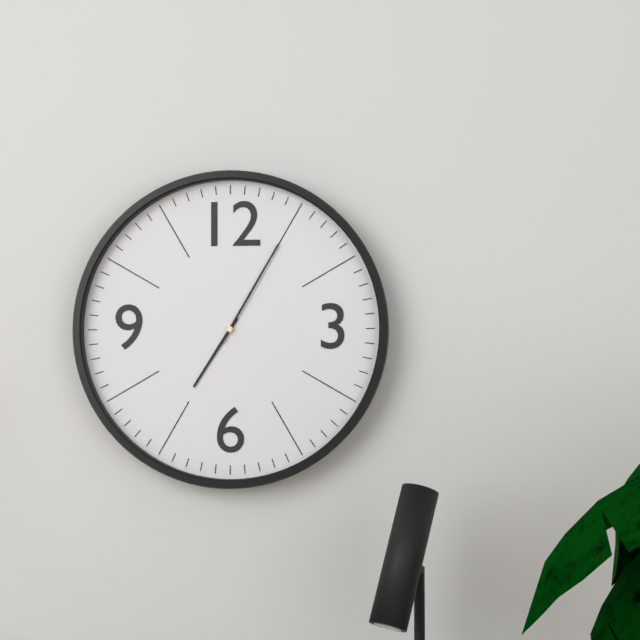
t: 7:05
